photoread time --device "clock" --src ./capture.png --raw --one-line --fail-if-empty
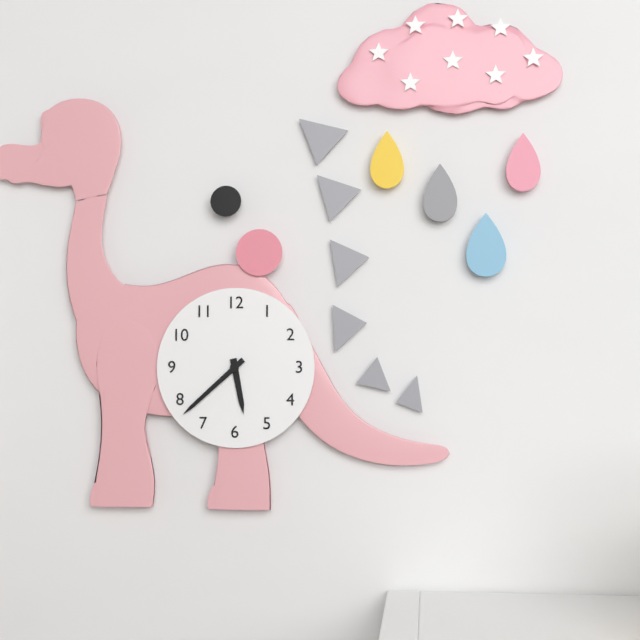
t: 5:38
